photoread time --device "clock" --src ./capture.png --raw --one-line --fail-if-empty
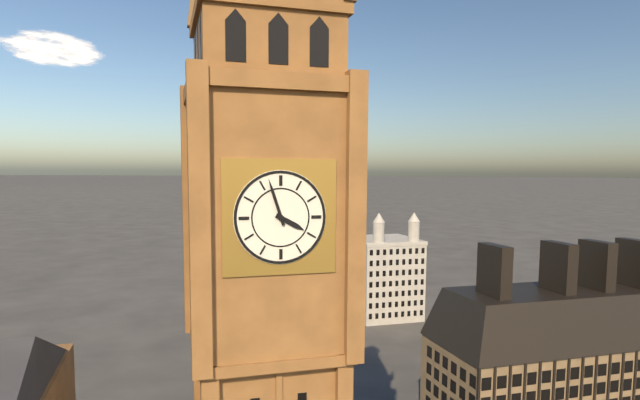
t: 3:57
